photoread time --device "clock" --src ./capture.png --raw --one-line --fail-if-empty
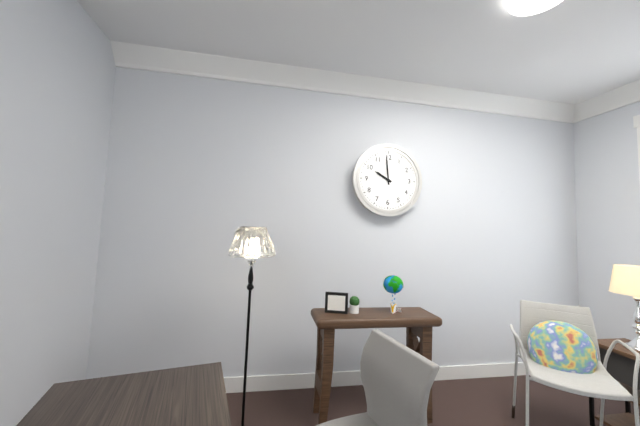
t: 9:59
